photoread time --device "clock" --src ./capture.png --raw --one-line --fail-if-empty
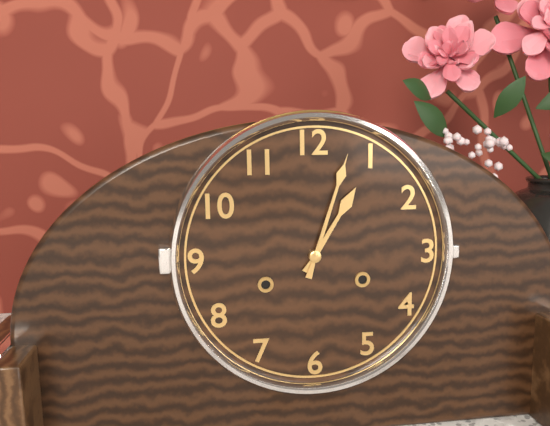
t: 1:03
